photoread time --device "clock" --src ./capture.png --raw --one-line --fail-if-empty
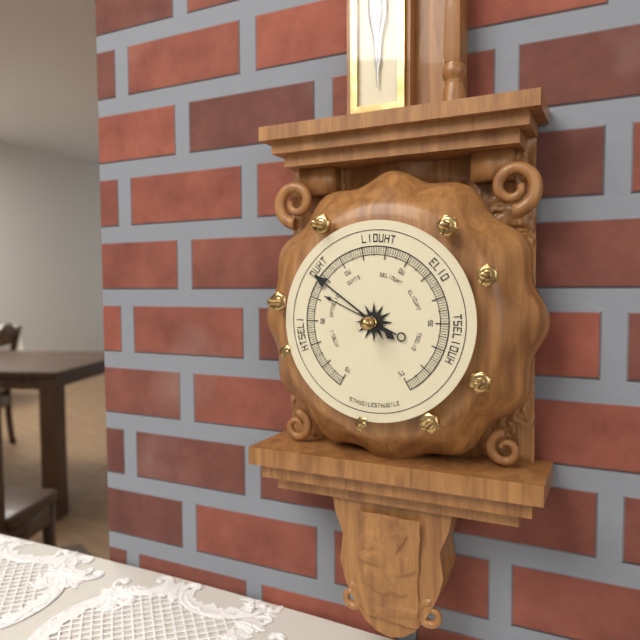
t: 9:51
